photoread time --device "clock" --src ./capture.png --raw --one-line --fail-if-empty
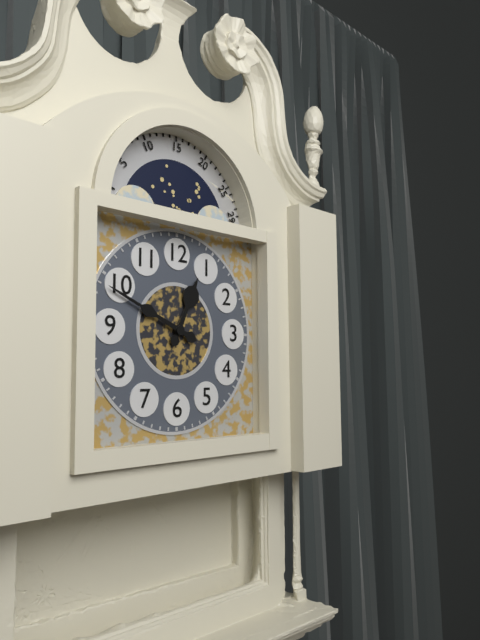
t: 12:49
